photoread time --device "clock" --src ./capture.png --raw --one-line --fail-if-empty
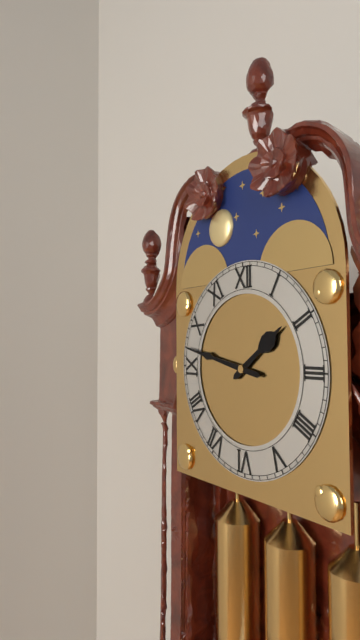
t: 1:47
